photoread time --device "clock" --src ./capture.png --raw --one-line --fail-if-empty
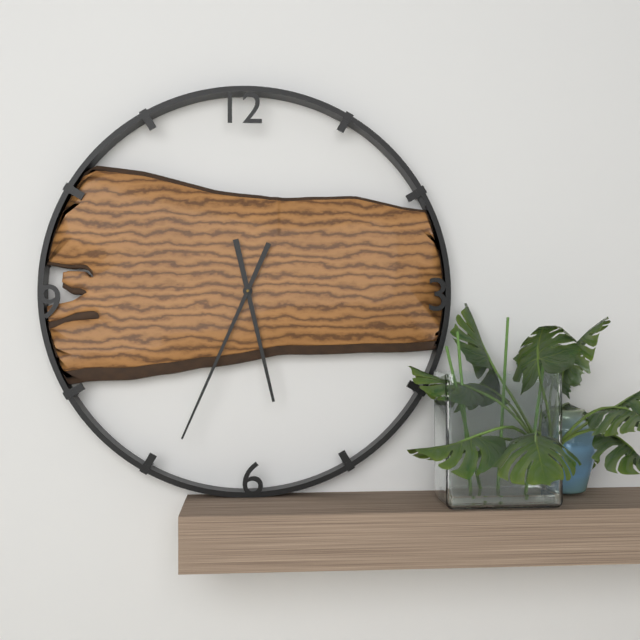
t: 5:34
